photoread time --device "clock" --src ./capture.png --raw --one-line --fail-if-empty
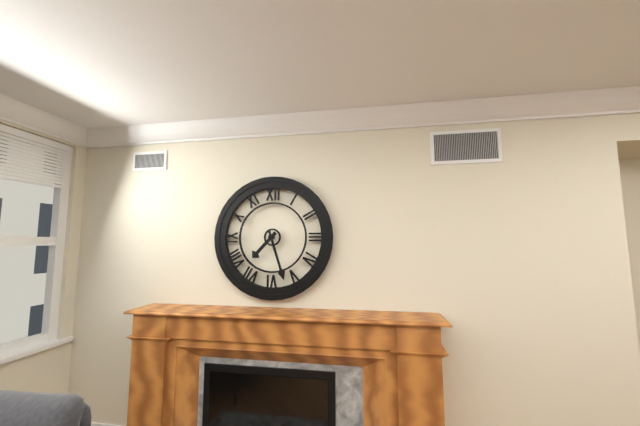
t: 7:27
